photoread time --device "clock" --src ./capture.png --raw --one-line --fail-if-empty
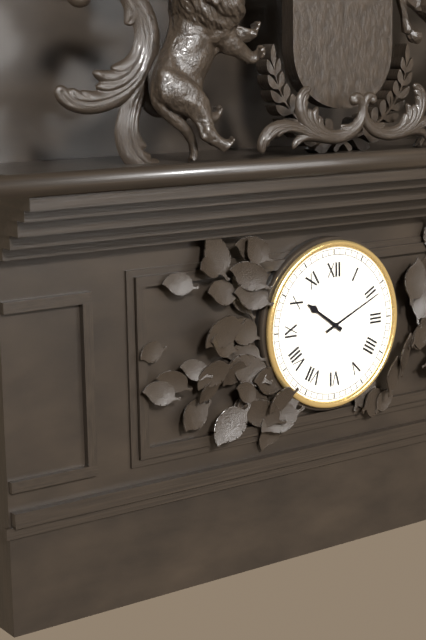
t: 10:11
